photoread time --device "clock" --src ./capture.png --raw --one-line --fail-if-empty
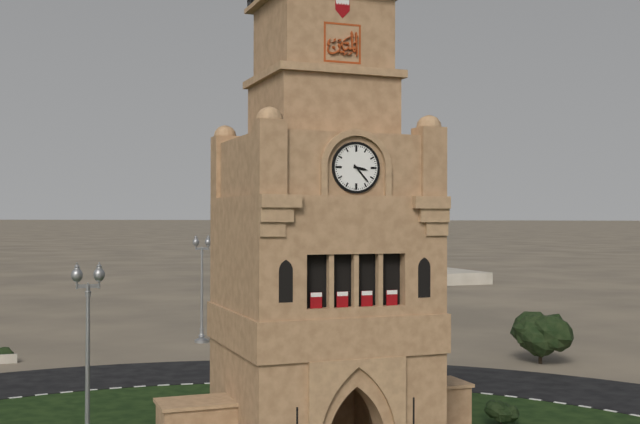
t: 3:23
